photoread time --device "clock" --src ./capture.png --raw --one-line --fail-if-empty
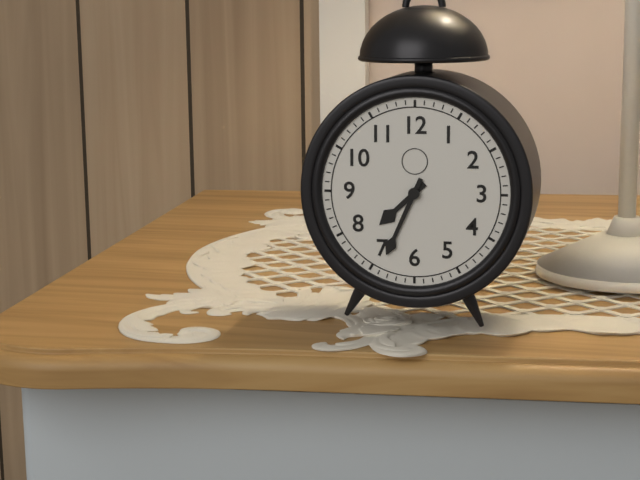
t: 7:34
